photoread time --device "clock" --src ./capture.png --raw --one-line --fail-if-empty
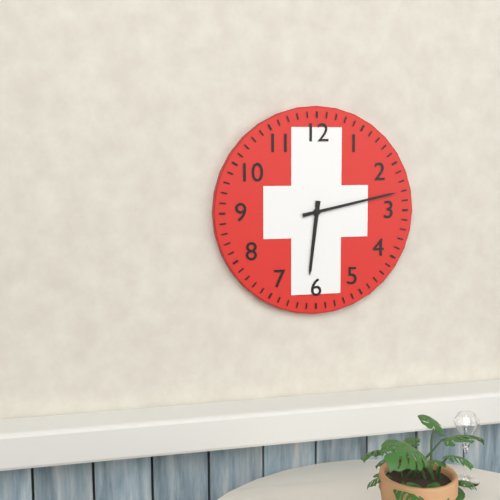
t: 6:13
